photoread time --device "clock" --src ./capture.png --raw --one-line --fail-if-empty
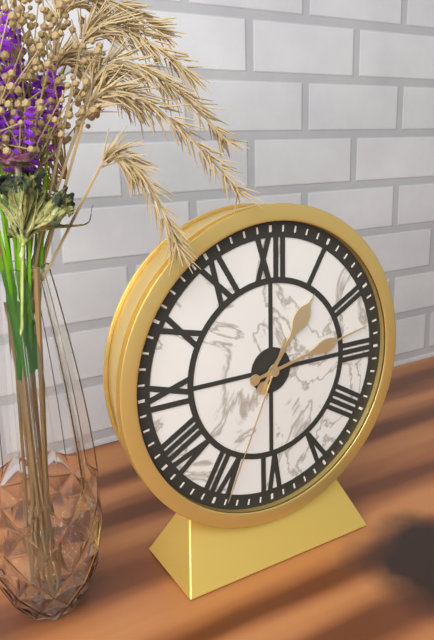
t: 1:13:34
